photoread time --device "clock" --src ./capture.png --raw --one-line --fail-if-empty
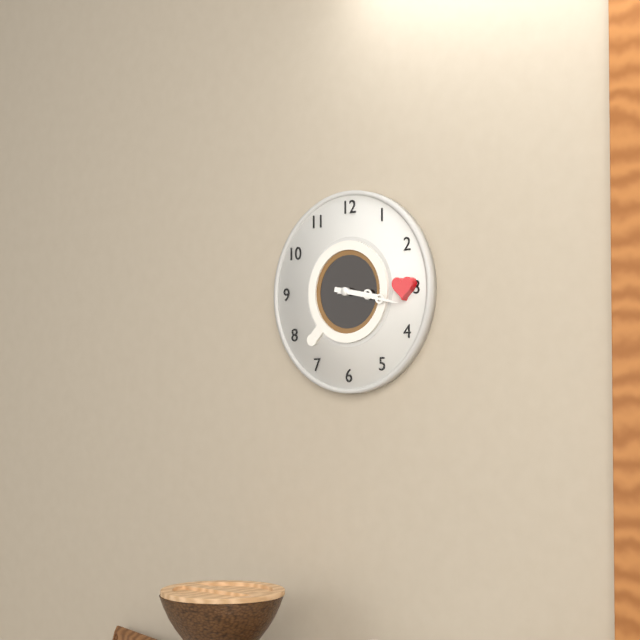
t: 3:17
